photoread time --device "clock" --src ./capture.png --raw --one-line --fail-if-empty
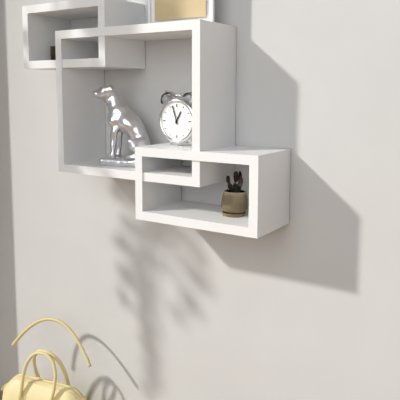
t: 12:57
